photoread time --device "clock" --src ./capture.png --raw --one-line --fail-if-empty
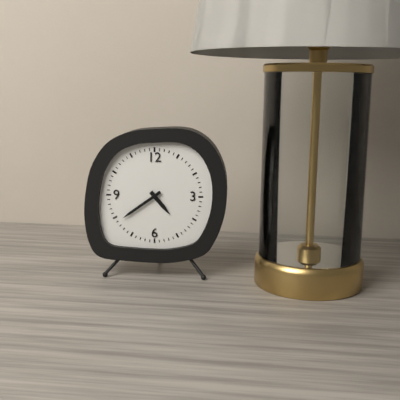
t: 4:39
